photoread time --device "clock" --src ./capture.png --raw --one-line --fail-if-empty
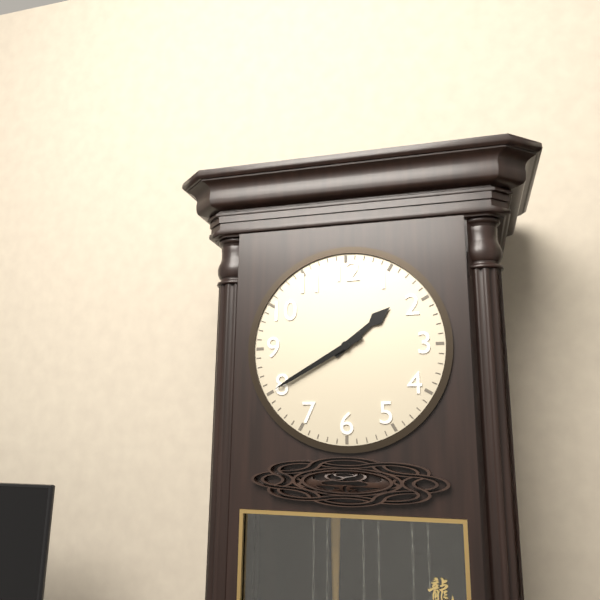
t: 1:40
